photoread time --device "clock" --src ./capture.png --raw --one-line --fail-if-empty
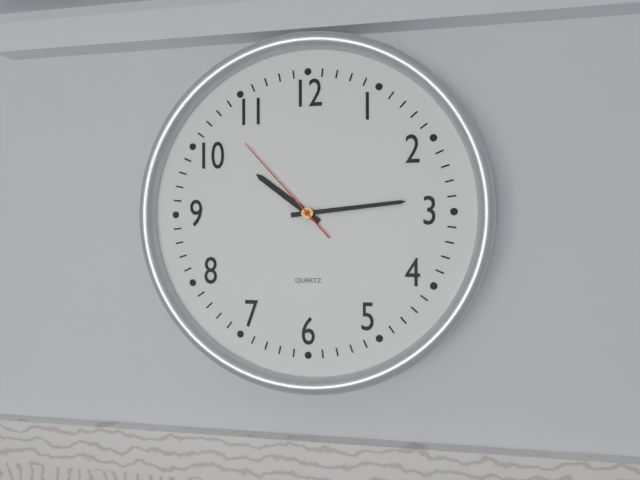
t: 10:14:53
